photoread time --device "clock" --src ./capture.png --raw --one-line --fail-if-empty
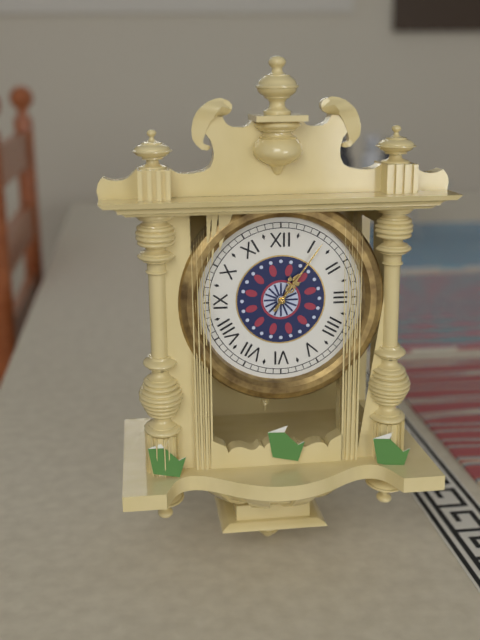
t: 1:06
